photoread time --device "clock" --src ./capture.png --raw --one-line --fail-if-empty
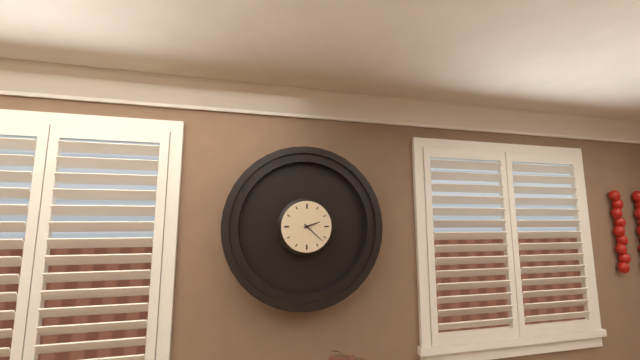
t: 2:22
